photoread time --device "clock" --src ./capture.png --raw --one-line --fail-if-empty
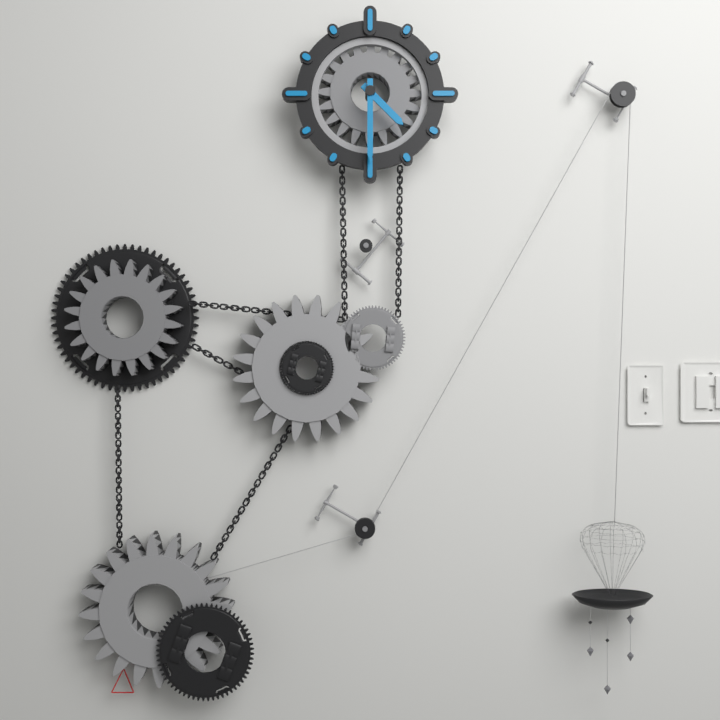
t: 4:30
